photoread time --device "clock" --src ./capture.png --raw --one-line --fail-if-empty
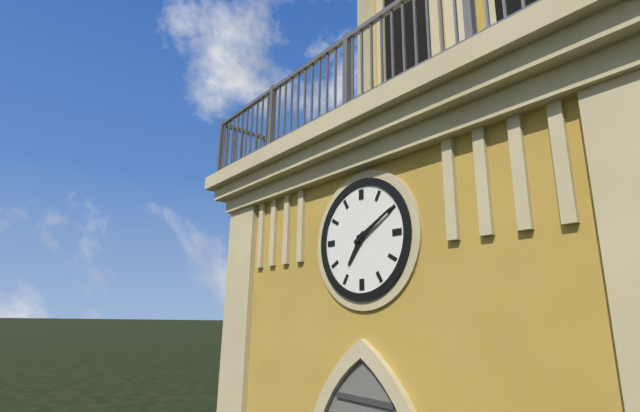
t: 7:10
